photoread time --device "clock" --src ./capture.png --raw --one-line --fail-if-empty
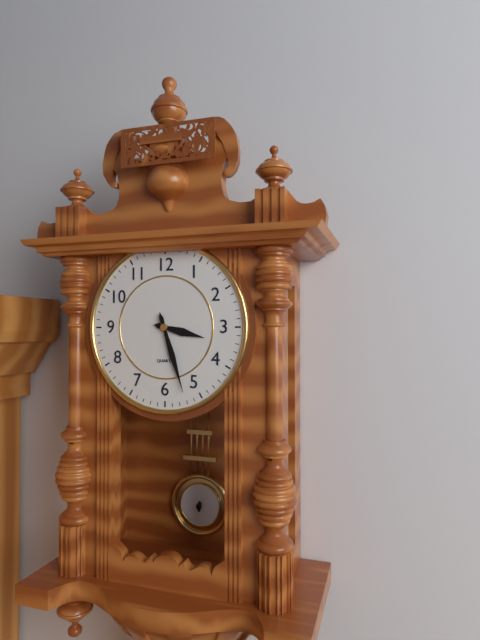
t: 3:27
